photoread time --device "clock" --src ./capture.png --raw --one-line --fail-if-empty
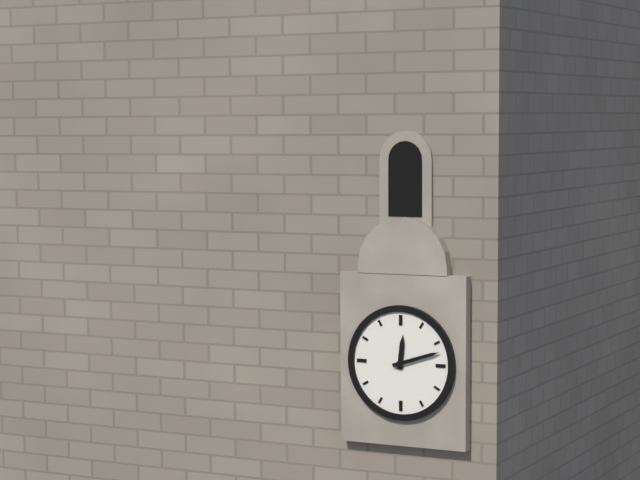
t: 12:12
